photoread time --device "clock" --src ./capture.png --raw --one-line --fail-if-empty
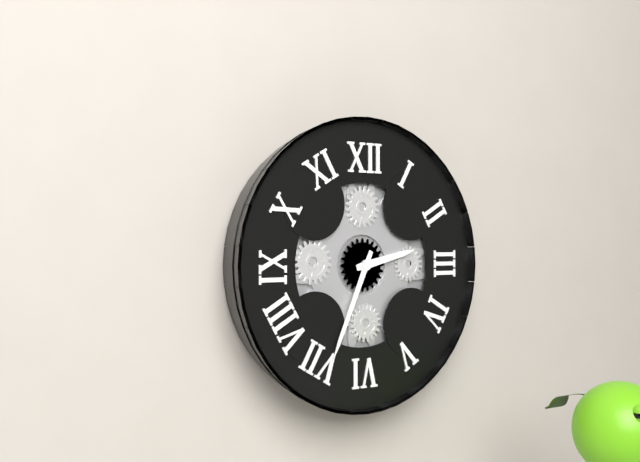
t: 2:34
